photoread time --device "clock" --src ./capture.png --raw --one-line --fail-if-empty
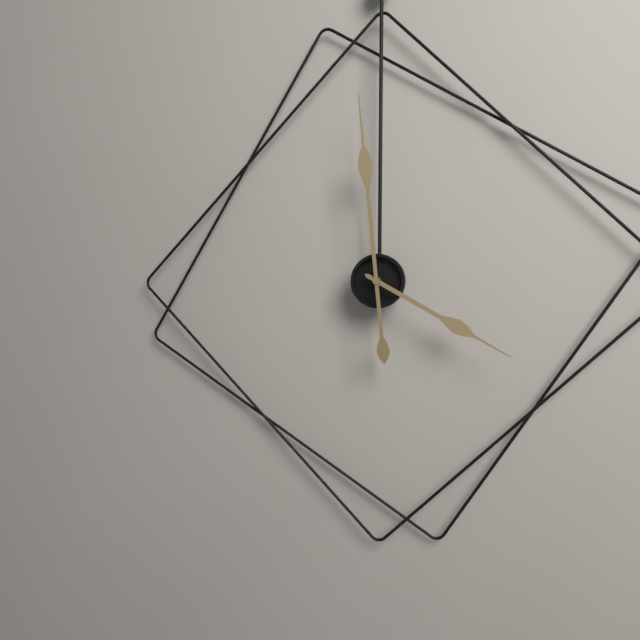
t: 3:59
